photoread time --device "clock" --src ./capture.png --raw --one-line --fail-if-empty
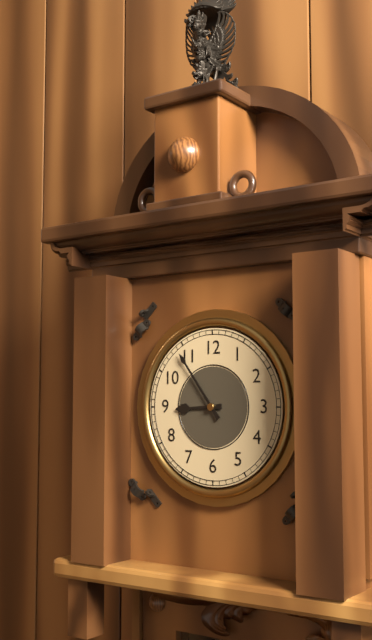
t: 8:54
